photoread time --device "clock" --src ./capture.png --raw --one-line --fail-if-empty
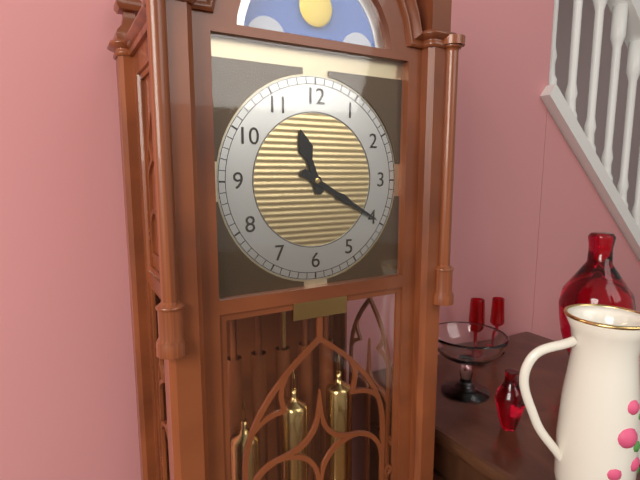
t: 11:20
